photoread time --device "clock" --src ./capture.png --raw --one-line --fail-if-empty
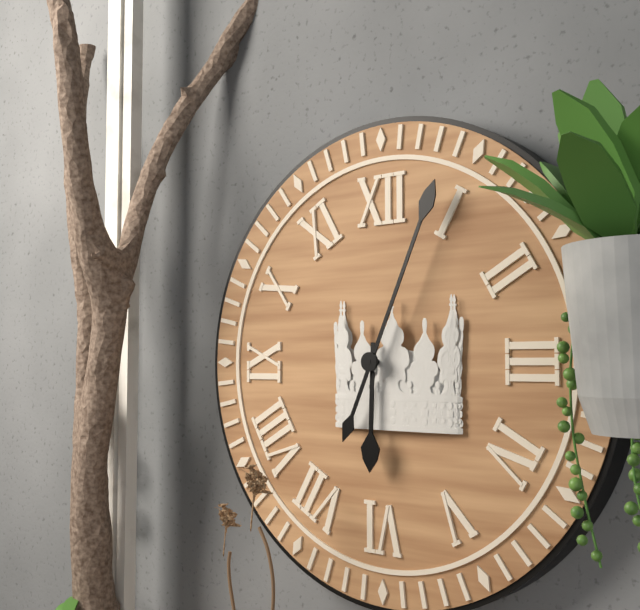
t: 6:04
